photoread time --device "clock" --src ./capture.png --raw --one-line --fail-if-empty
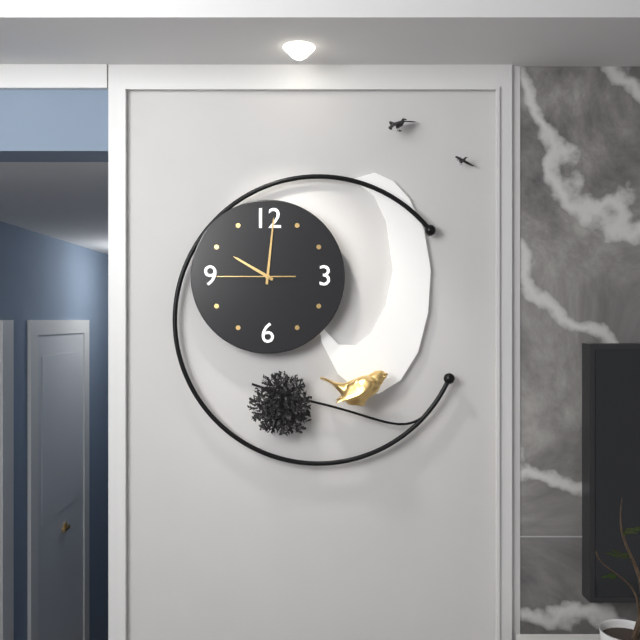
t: 10:01:45
